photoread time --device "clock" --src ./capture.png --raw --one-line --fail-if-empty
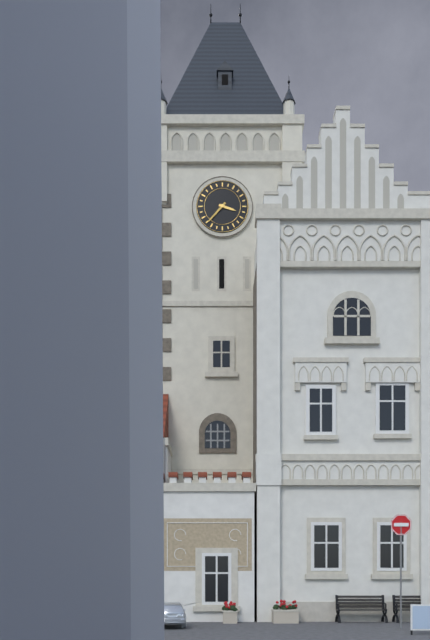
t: 3:37
